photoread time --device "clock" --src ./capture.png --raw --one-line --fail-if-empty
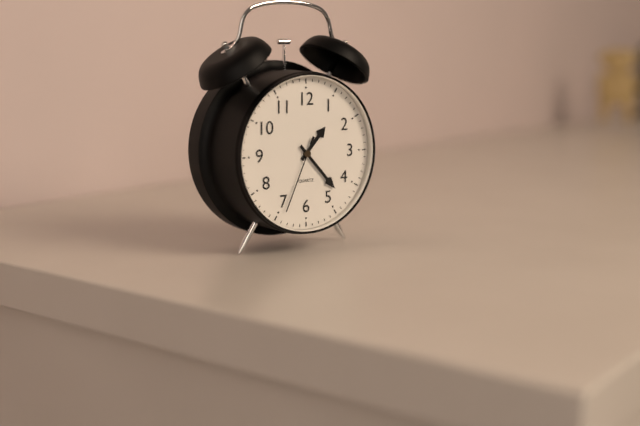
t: 1:23:34
